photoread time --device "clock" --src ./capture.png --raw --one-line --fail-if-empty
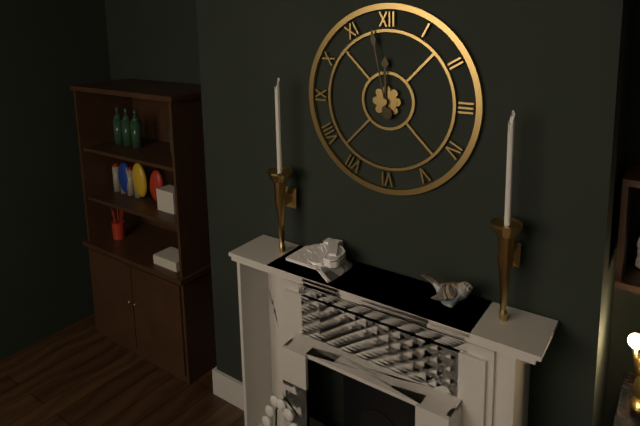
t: 11:58
